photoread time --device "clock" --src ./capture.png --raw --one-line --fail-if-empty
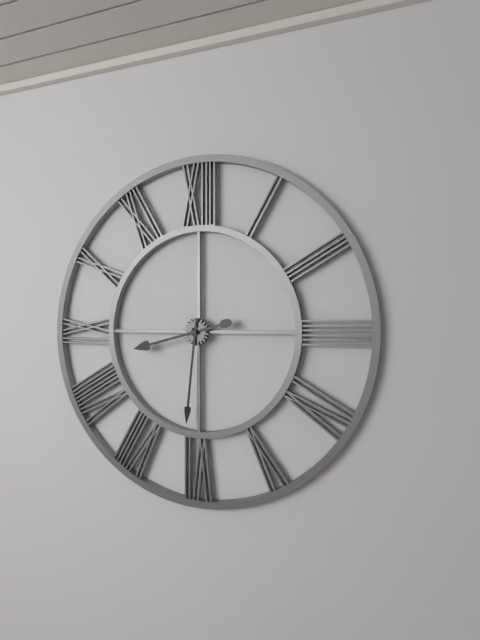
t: 8:31
